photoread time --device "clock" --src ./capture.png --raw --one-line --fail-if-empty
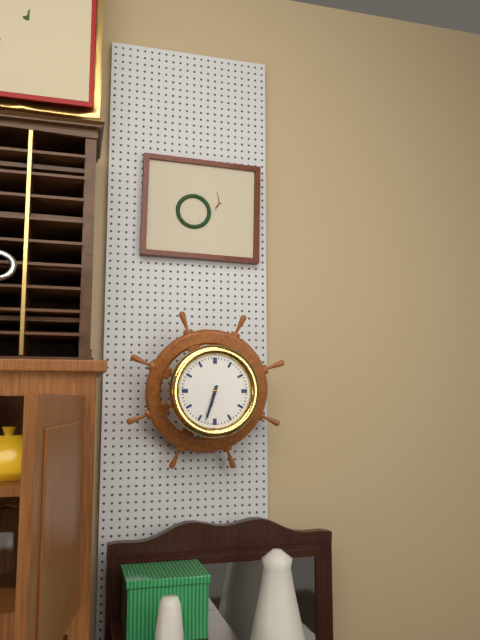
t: 6:33
